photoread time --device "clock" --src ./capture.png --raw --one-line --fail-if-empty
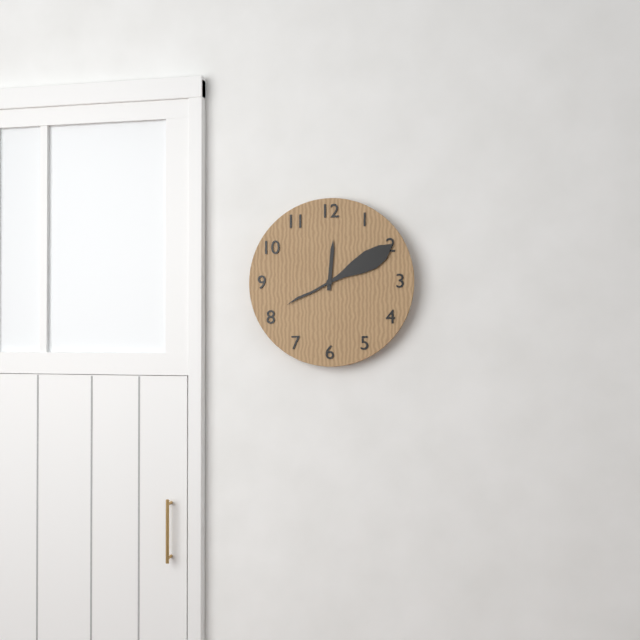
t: 12:10
